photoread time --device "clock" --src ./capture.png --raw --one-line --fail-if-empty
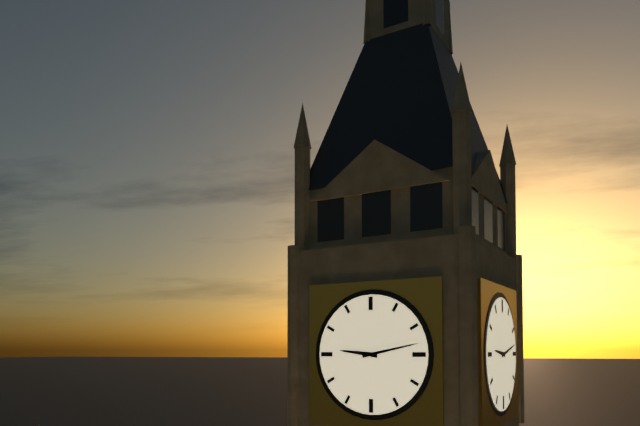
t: 9:13
